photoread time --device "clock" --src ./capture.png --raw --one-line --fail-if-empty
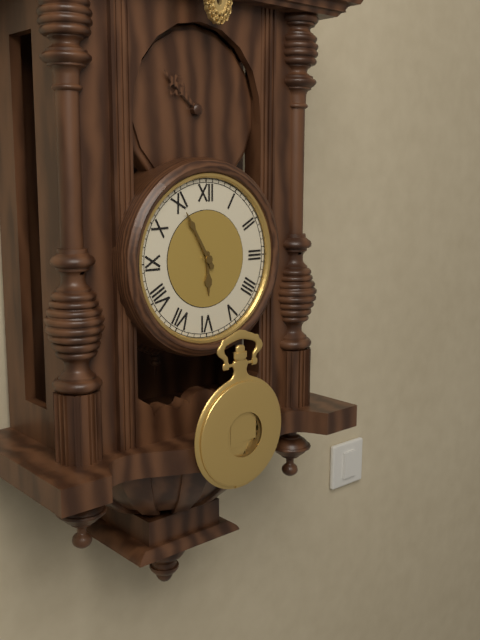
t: 5:55
